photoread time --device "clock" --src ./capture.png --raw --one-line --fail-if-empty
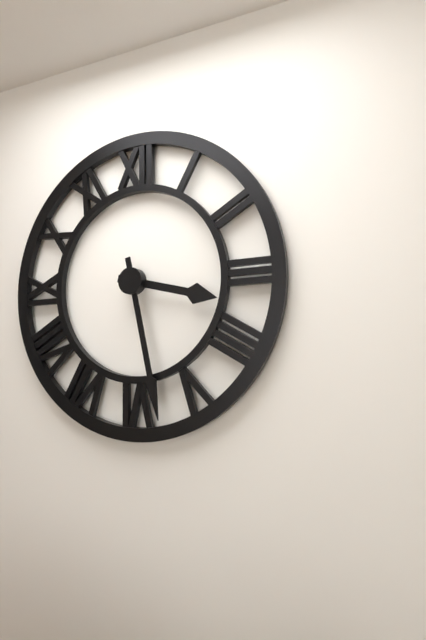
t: 3:28
